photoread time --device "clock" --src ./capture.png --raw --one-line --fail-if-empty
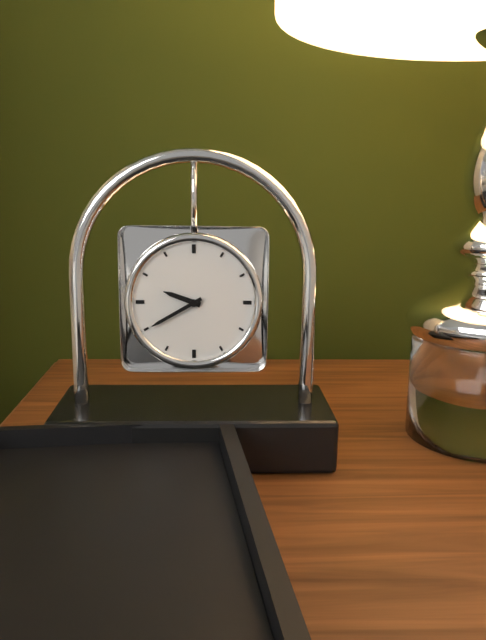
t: 9:40
